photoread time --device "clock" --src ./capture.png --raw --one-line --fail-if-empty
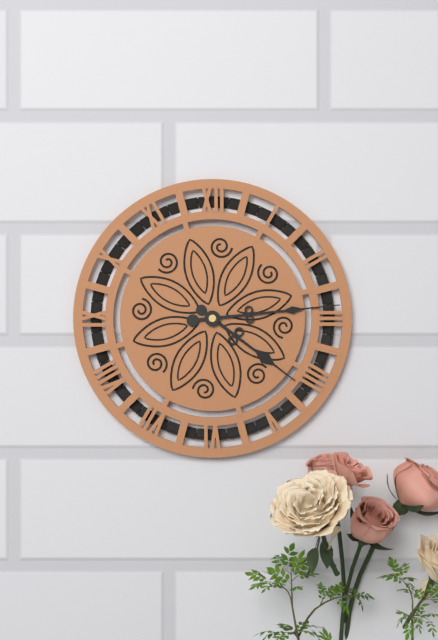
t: 4:14
